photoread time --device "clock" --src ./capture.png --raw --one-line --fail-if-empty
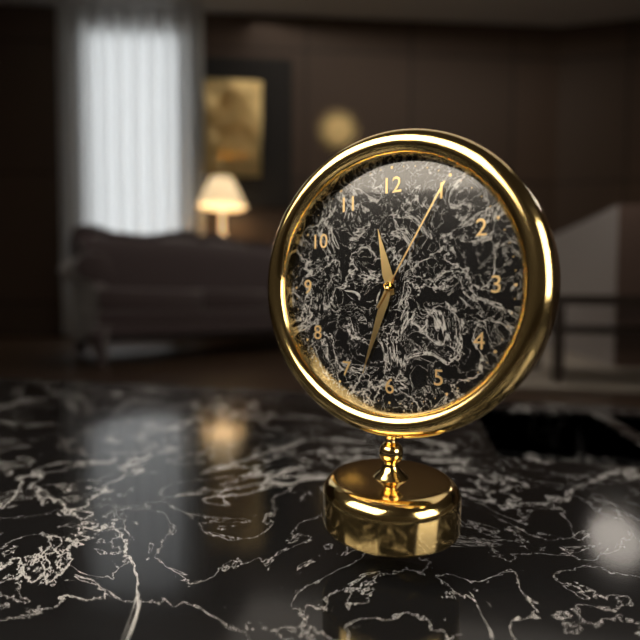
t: 11:33:05
